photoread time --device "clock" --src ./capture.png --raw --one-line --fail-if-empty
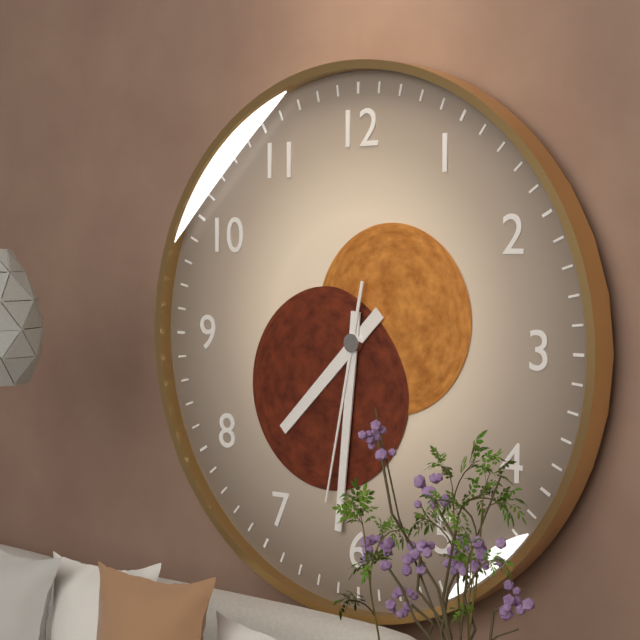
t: 7:31:32
